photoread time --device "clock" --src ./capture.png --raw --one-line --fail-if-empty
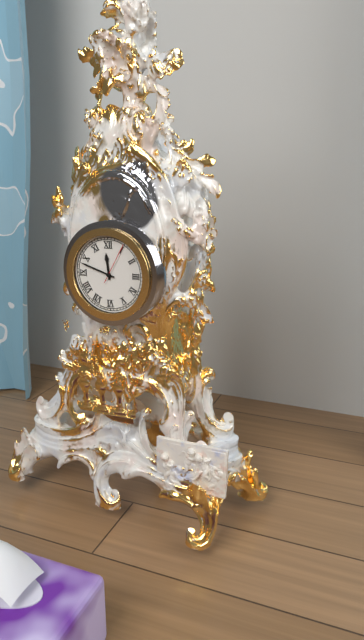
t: 11:48
